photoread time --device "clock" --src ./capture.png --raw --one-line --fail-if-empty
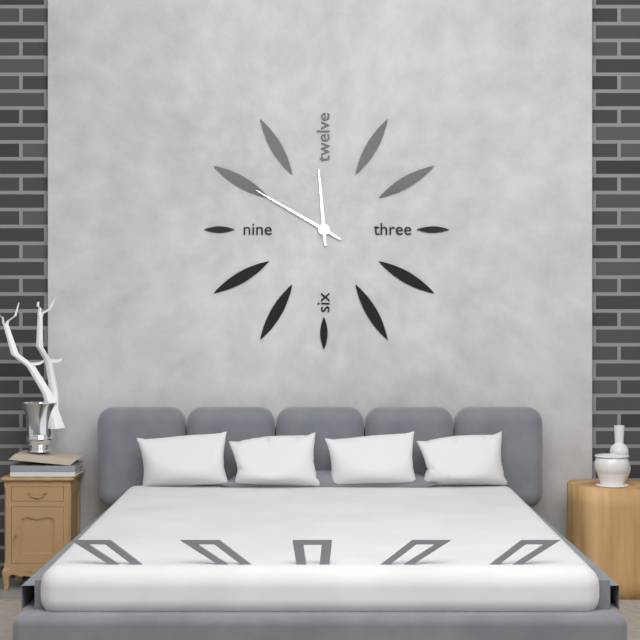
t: 11:50
